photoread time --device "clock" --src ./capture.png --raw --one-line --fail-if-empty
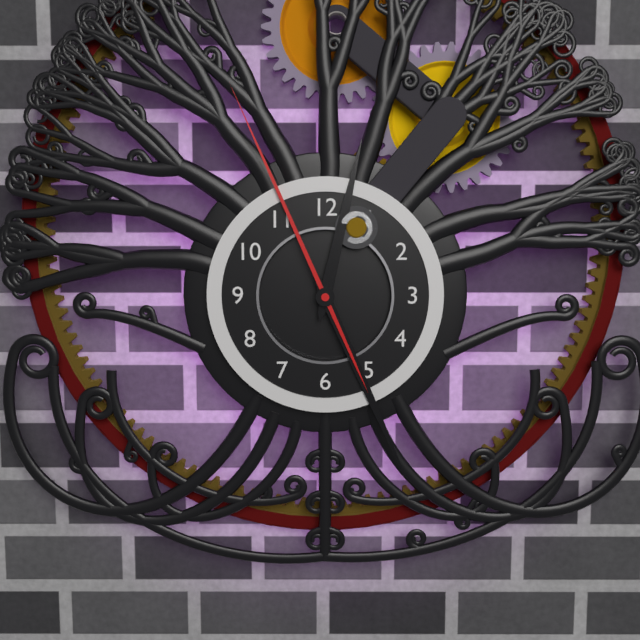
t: 12:26:56
